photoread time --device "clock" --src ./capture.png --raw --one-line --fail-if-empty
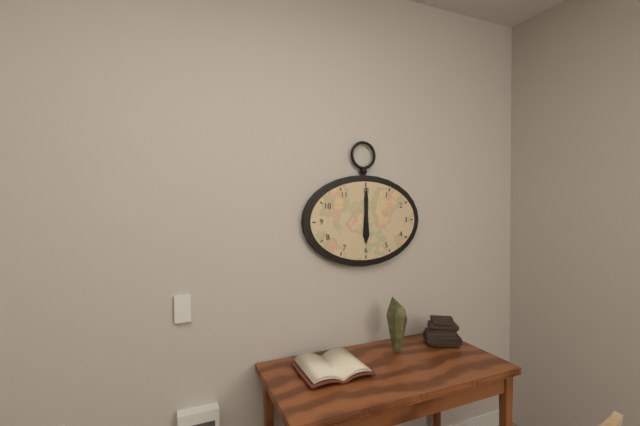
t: 6:00
